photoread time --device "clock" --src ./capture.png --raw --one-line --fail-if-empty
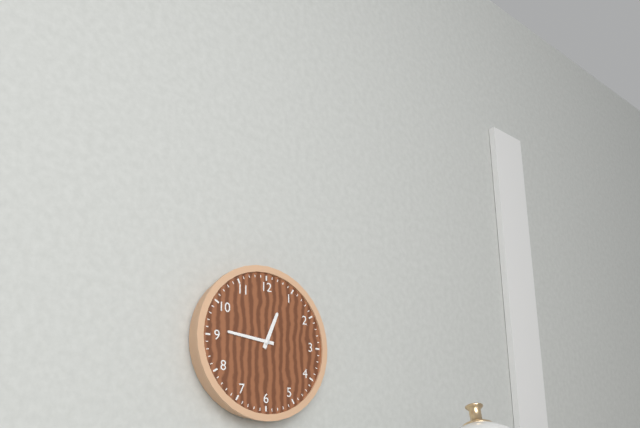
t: 12:46
